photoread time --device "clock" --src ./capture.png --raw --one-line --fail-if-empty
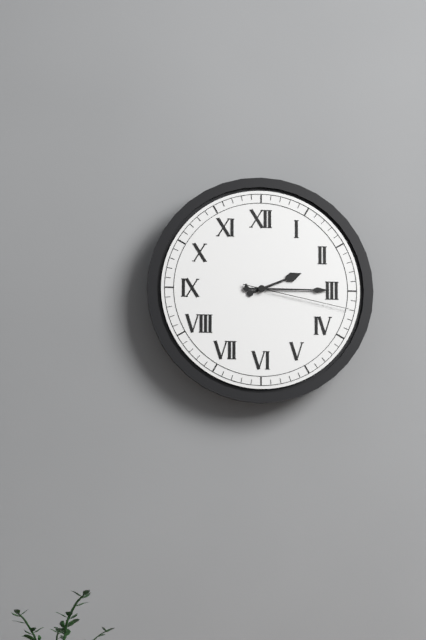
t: 2:15:17
